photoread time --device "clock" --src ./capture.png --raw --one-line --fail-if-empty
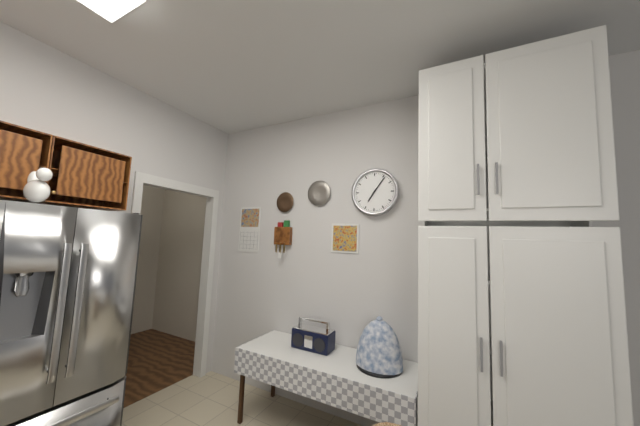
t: 7:06
